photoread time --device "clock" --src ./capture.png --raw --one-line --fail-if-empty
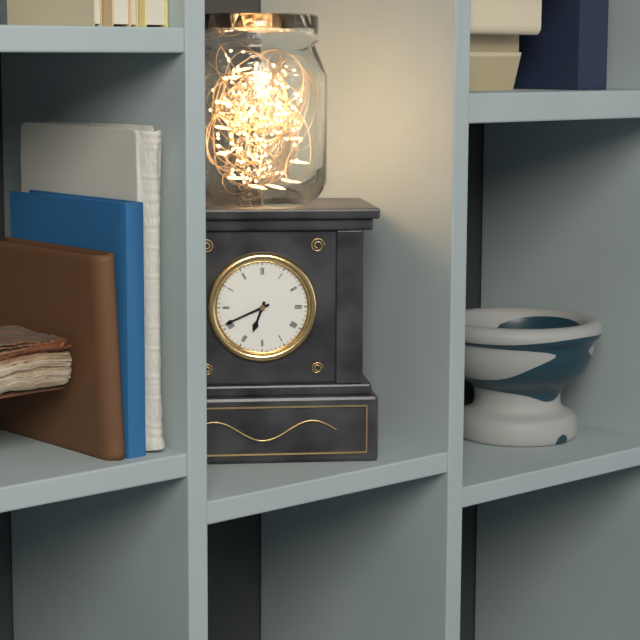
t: 6:41
